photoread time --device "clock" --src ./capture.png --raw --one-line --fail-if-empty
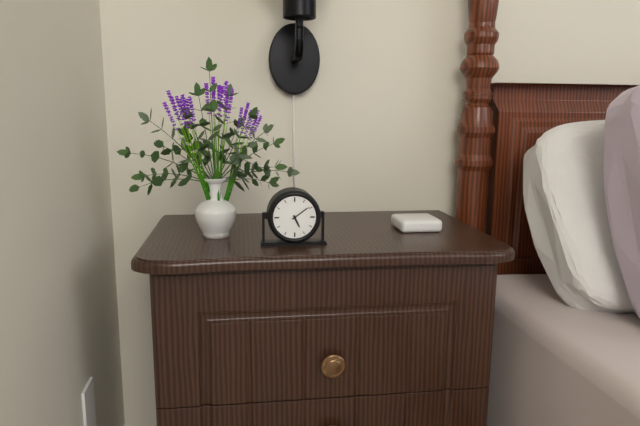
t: 5:09
